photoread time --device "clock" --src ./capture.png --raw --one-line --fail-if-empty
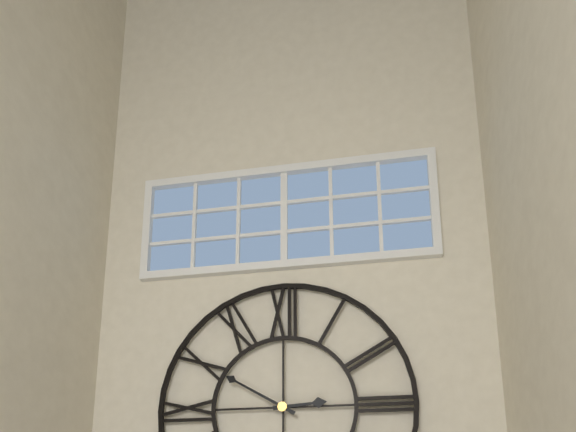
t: 2:50
